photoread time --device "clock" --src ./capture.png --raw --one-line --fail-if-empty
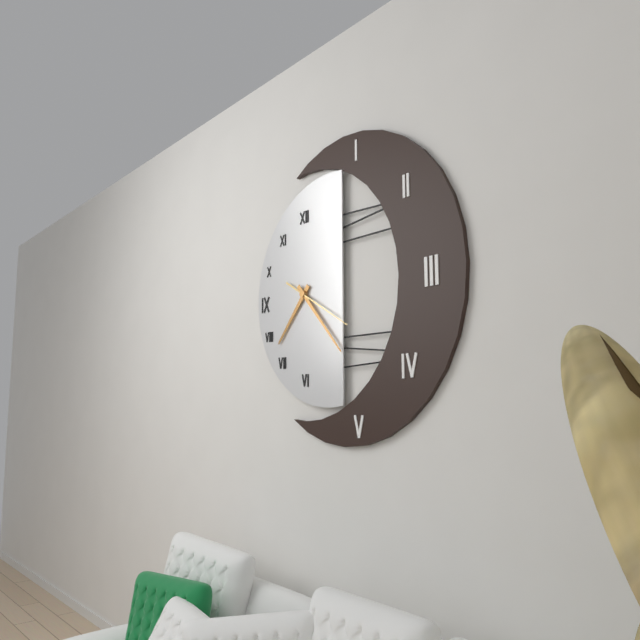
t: 7:23:20
